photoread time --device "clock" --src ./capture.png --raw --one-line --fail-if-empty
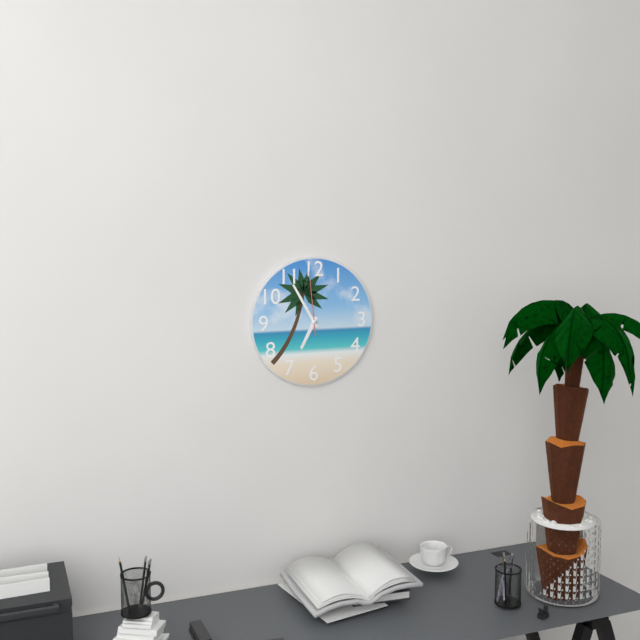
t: 6:55:59
